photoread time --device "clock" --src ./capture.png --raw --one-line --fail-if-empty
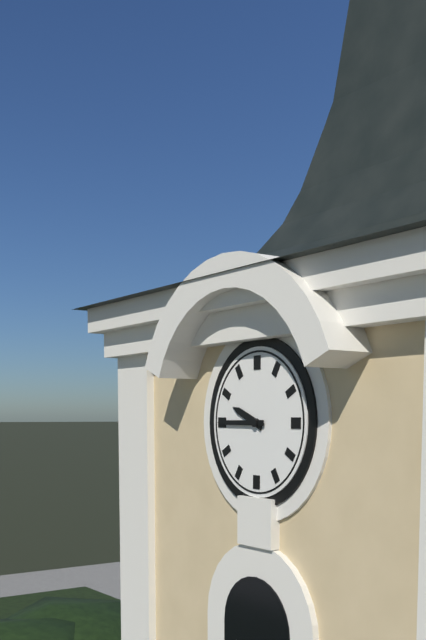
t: 9:45
